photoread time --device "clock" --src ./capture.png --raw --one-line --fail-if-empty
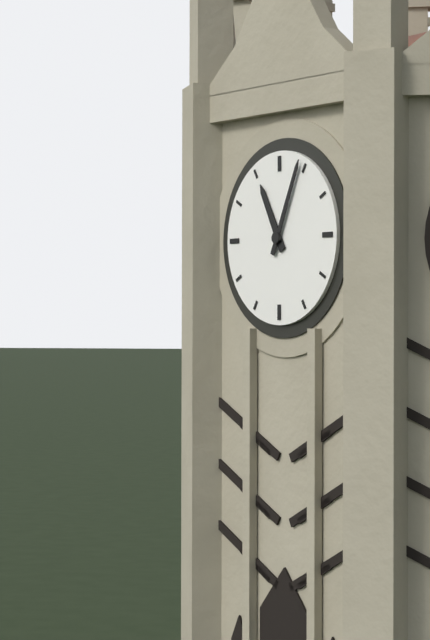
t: 11:04
